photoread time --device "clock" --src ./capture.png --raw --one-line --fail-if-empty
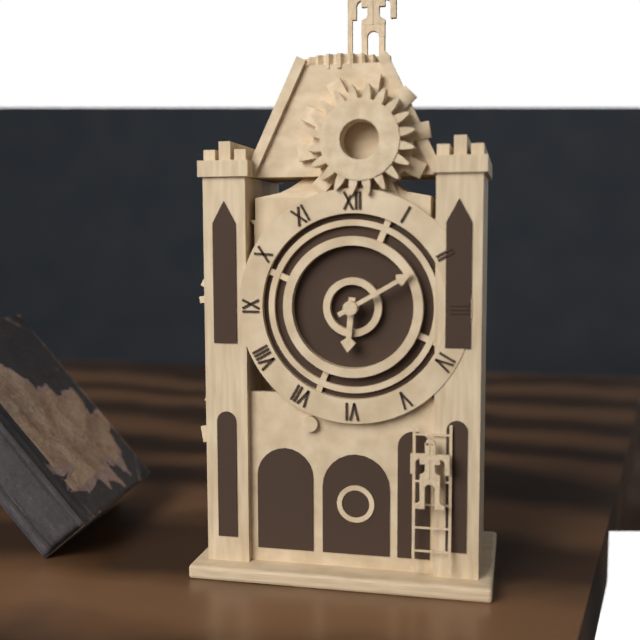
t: 6:10
